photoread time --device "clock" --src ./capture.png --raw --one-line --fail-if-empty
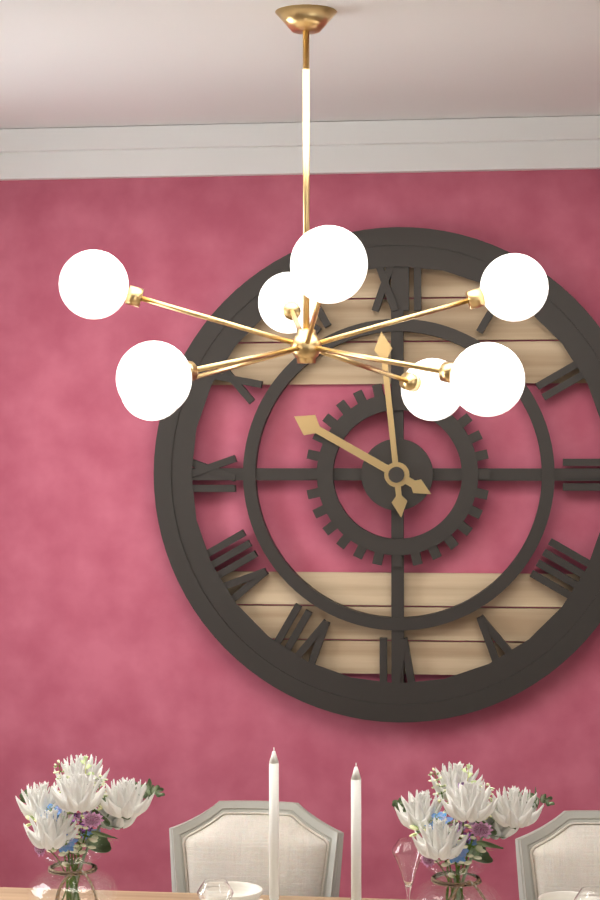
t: 9:59
